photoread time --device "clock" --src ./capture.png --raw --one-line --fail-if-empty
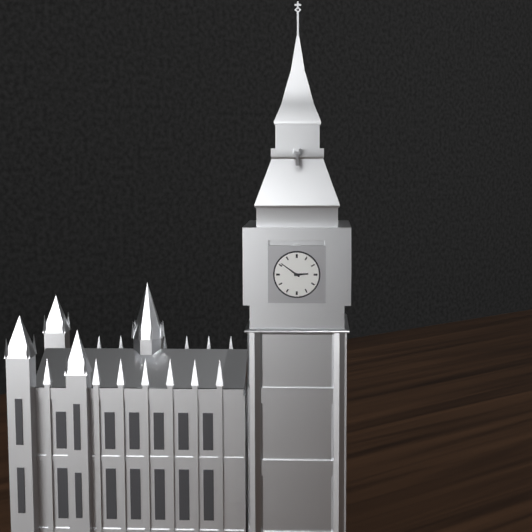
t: 2:51
